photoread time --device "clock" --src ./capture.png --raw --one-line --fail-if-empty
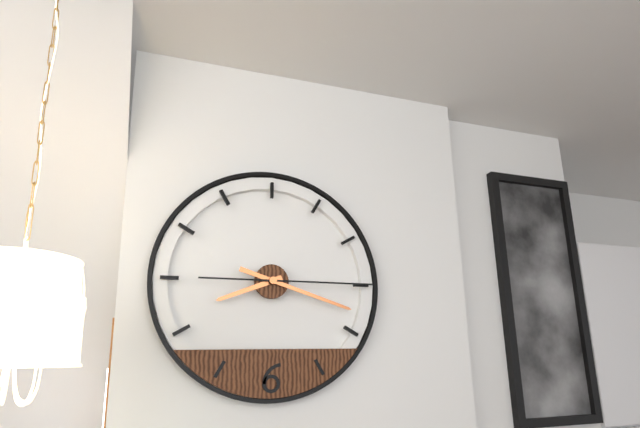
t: 8:18:15
